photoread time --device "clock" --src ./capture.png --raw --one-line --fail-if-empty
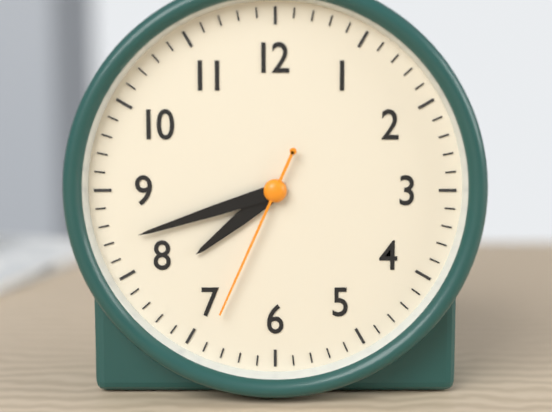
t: 7:42:34
